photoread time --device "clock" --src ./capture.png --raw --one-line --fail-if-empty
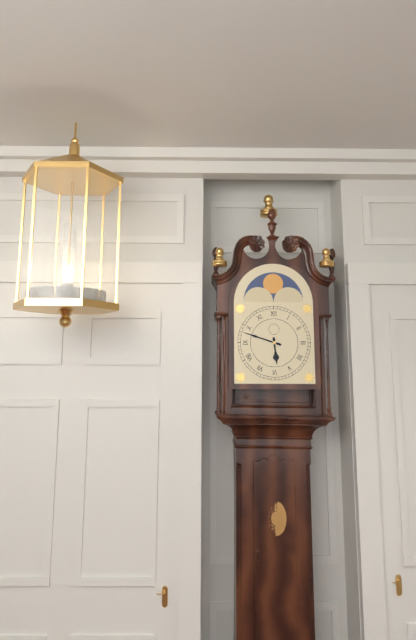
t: 5:48
